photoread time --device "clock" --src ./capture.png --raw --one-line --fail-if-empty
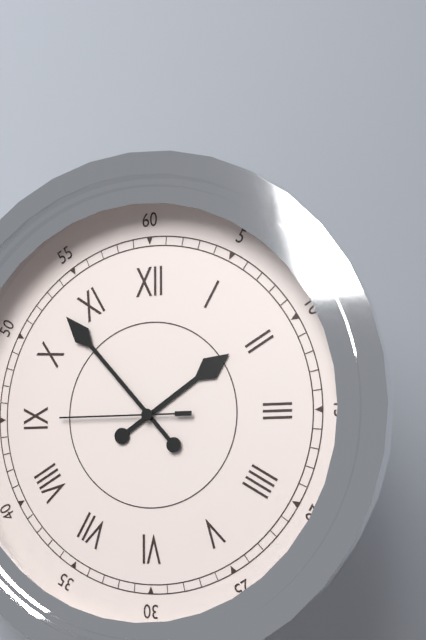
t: 1:53:45
